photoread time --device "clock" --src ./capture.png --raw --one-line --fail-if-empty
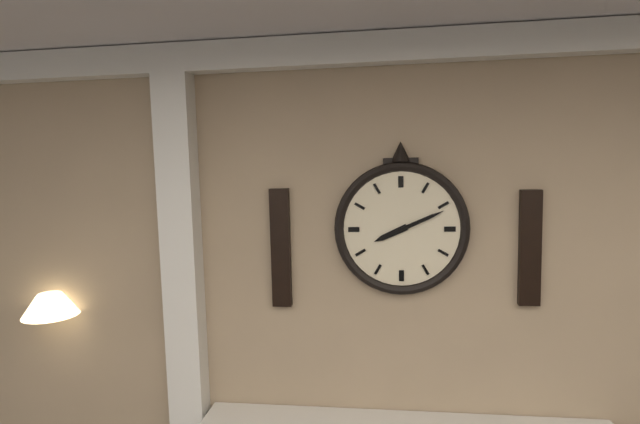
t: 8:11
